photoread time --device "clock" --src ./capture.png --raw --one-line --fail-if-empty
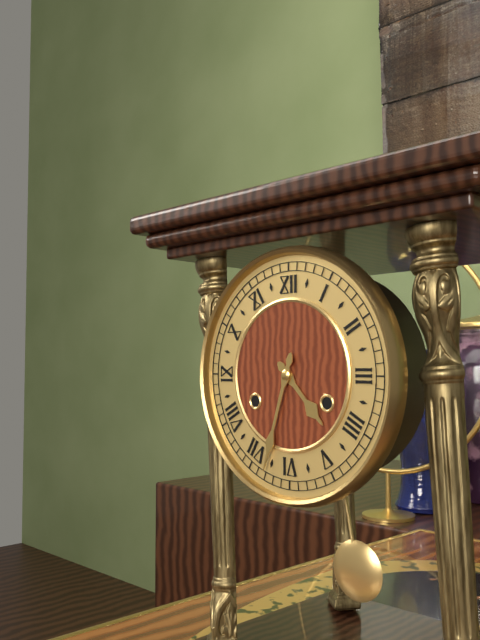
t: 4:33
